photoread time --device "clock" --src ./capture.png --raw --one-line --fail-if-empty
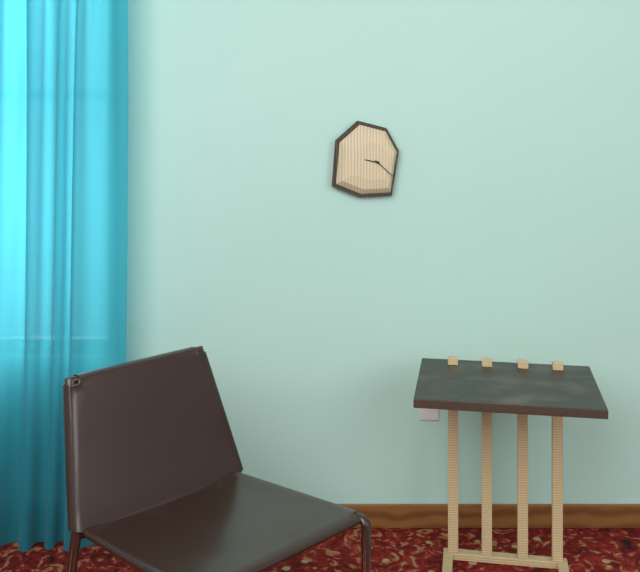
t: 9:22
